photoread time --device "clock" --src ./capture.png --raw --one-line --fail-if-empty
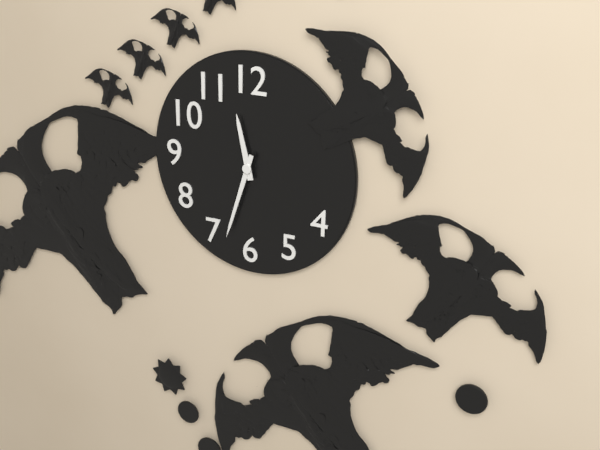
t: 11:33
